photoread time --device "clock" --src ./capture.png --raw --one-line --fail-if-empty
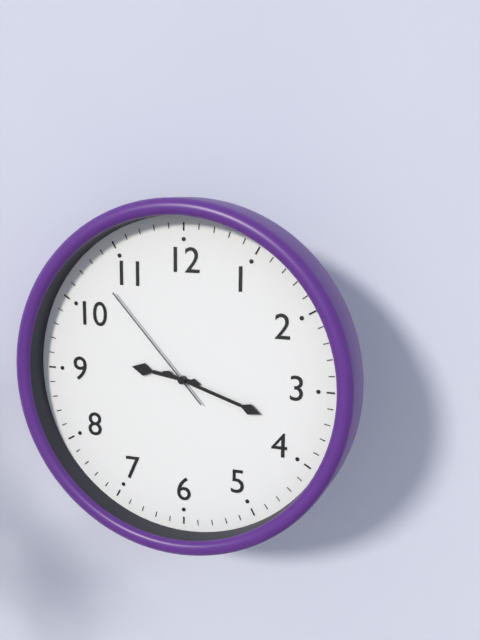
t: 9:18:53
